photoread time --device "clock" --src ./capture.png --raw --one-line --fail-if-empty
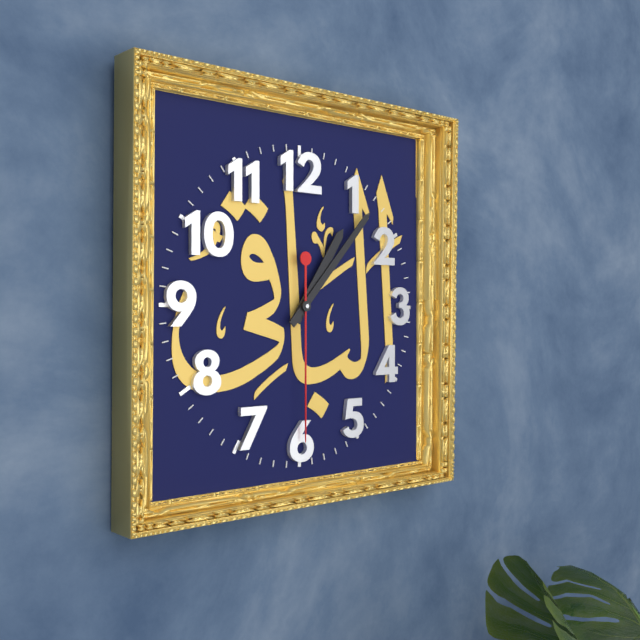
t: 1:07:30
